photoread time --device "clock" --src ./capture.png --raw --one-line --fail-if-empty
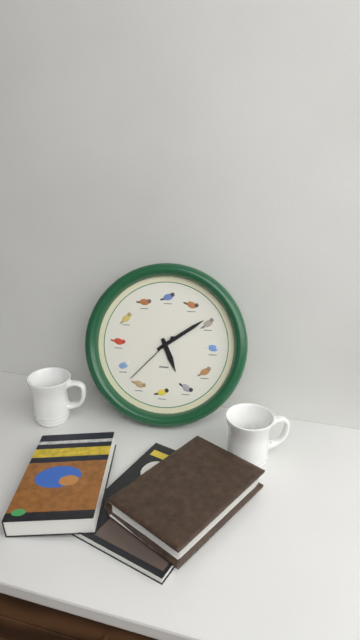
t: 5:09:37
